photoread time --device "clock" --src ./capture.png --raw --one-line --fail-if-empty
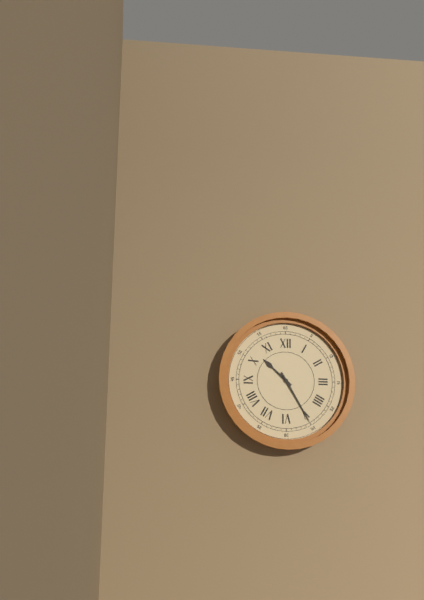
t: 10:25
